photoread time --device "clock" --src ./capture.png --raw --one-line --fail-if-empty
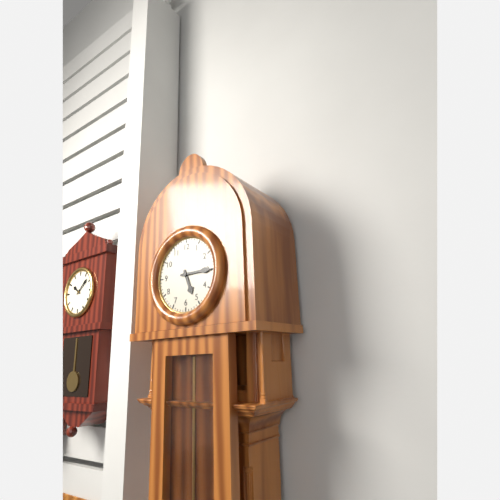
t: 5:15
